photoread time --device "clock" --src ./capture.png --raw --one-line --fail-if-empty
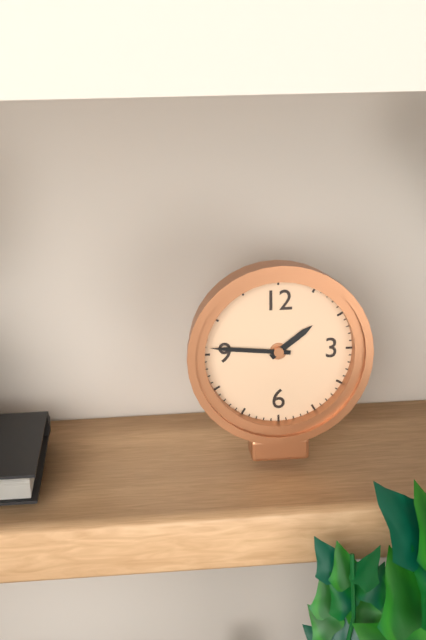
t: 1:46
